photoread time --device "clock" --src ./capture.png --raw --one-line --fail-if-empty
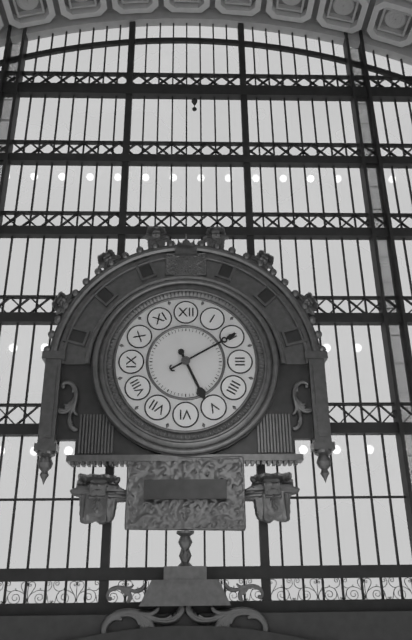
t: 5:10
